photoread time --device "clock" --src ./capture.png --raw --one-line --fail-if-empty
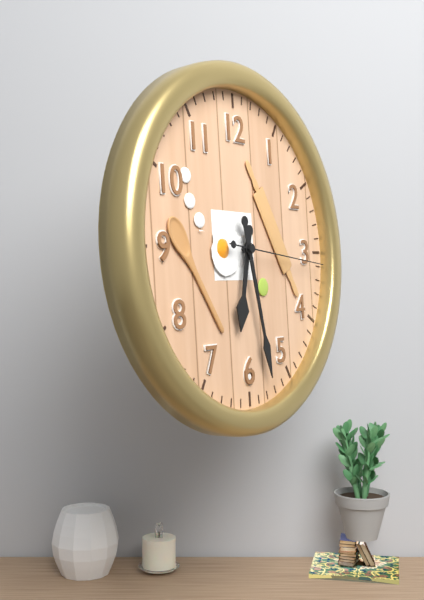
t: 6:28:16
